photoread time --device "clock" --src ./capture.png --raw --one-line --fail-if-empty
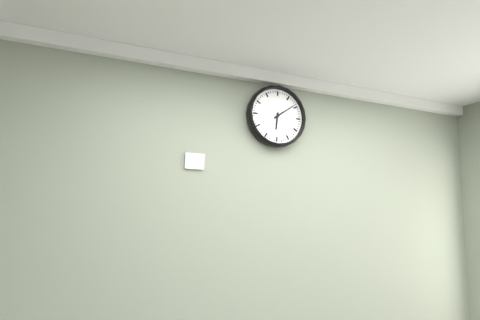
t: 6:09
